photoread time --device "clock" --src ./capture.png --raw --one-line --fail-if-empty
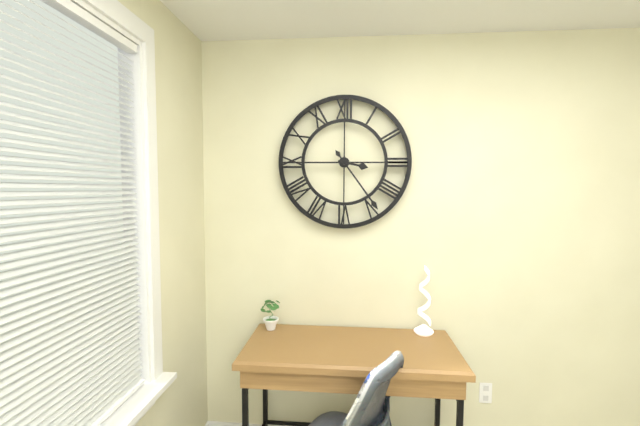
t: 3:24
